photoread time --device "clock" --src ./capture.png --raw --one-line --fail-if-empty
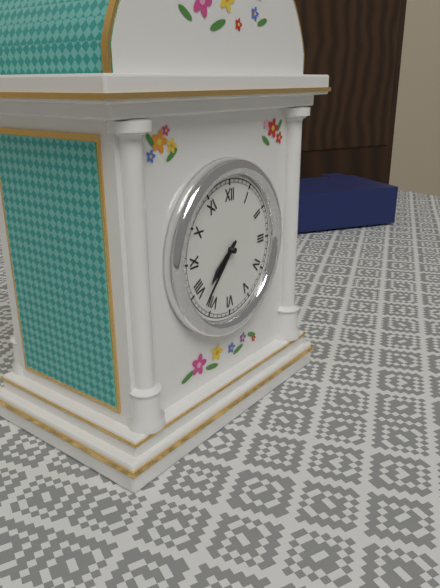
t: 7:37
